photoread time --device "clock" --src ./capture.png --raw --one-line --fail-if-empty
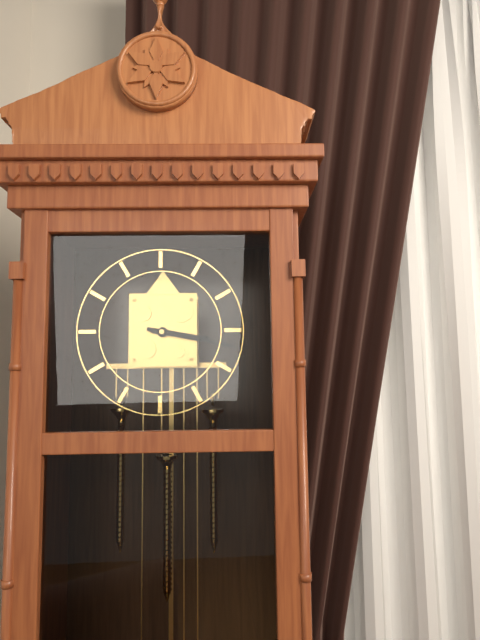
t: 3:17
